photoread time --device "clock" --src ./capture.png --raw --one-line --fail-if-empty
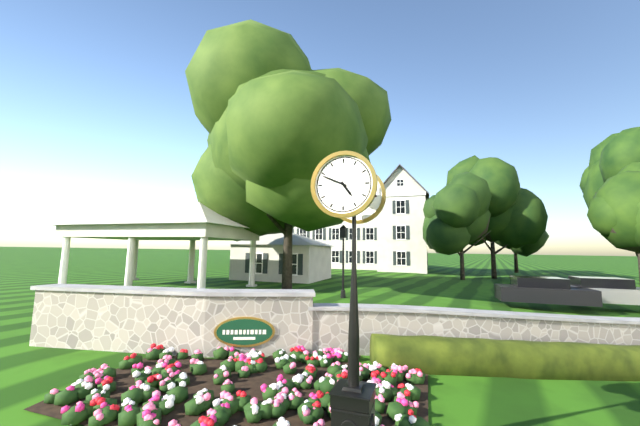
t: 4:49
